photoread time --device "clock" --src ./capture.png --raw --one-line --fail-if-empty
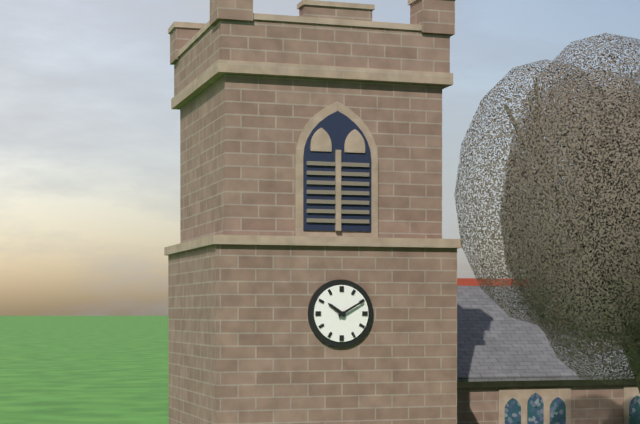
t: 10:10
